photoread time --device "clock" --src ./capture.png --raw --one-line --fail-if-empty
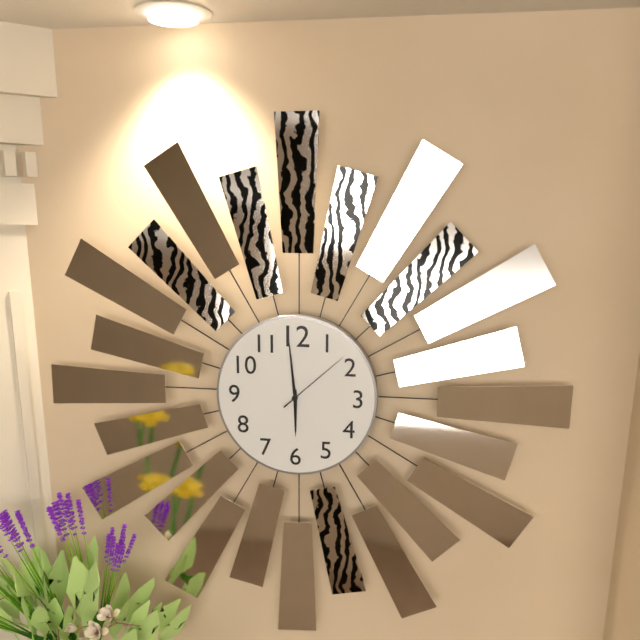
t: 5:59:08
